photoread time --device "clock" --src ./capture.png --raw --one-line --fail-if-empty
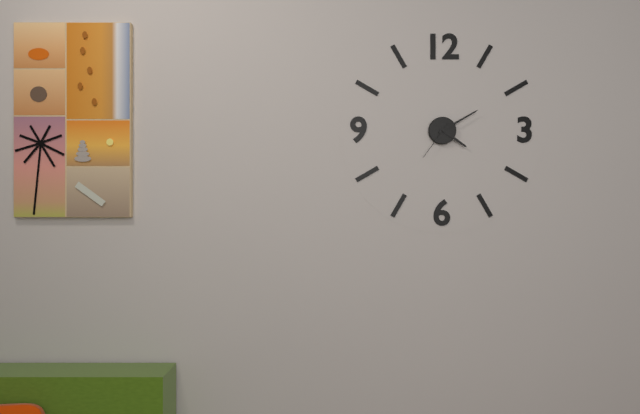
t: 4:10
